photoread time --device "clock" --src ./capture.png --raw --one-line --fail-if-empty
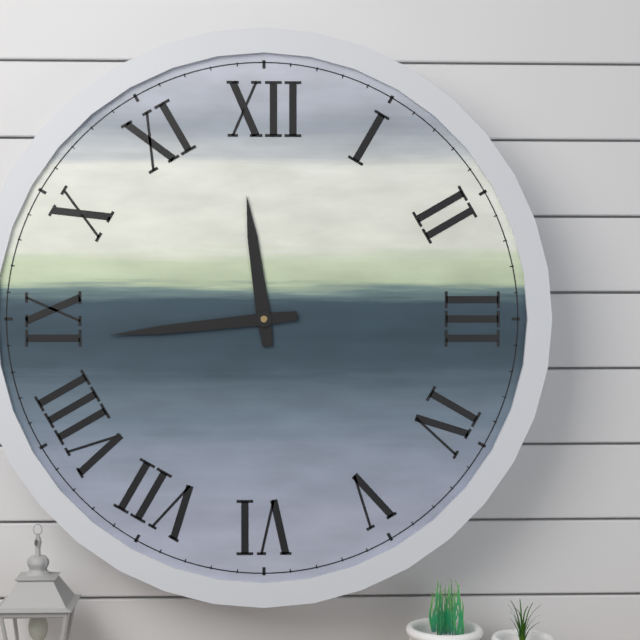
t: 11:44
